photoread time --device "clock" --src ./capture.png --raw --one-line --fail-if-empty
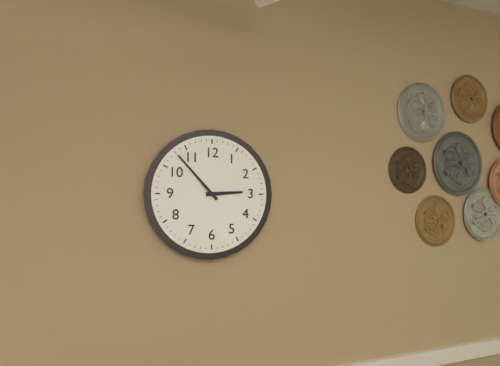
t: 2:53
